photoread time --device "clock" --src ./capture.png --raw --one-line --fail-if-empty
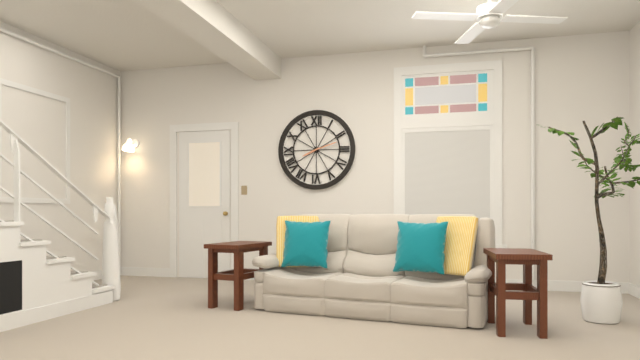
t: 8:12
